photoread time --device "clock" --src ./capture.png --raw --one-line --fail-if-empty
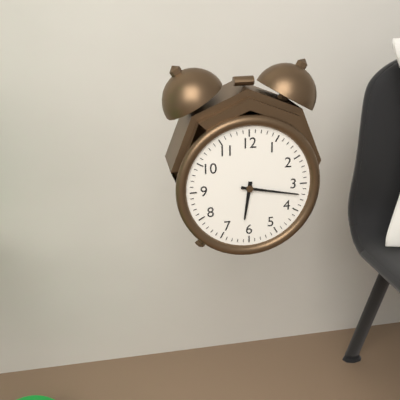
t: 6:17
